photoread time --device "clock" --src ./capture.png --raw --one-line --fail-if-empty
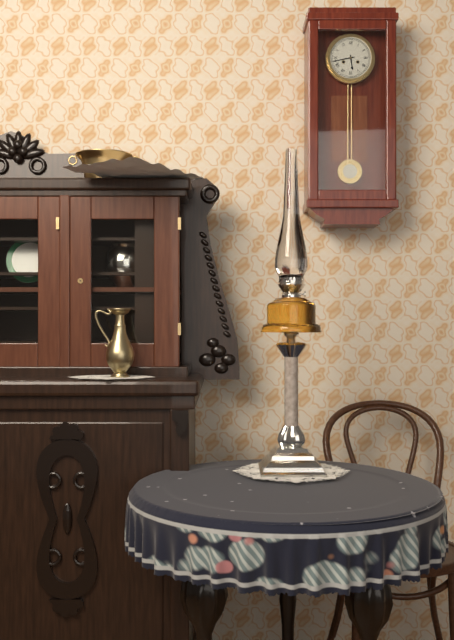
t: 5:43
